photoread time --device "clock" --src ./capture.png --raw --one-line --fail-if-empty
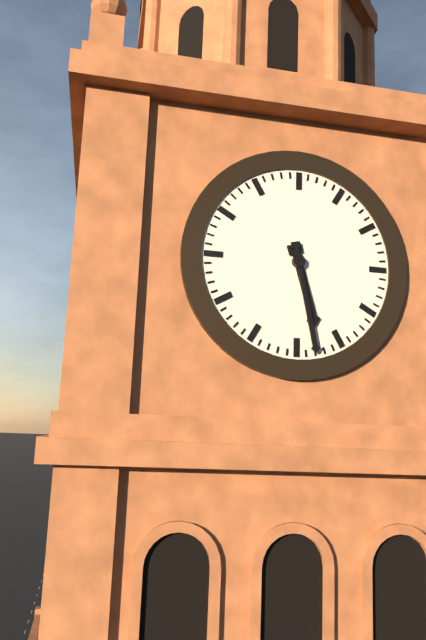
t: 5:28
